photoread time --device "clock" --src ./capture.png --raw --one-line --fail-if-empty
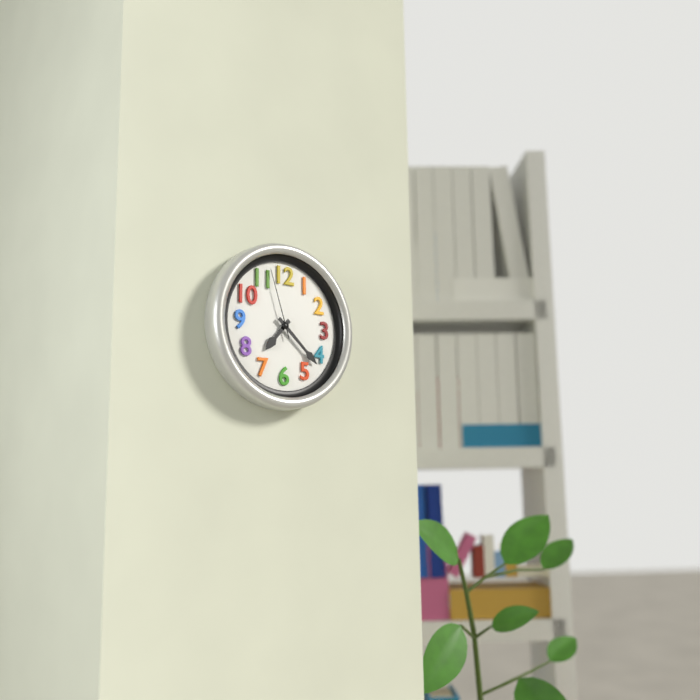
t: 7:22:57
